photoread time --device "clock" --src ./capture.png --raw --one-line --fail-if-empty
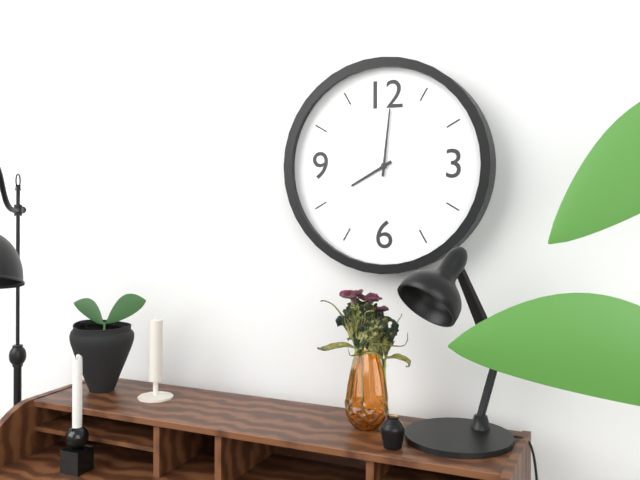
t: 8:01
